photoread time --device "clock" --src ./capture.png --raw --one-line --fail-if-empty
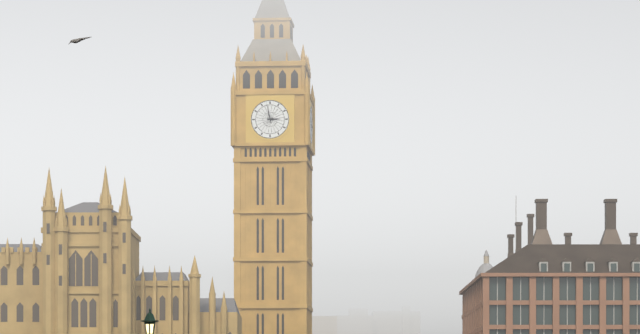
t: 2:58
